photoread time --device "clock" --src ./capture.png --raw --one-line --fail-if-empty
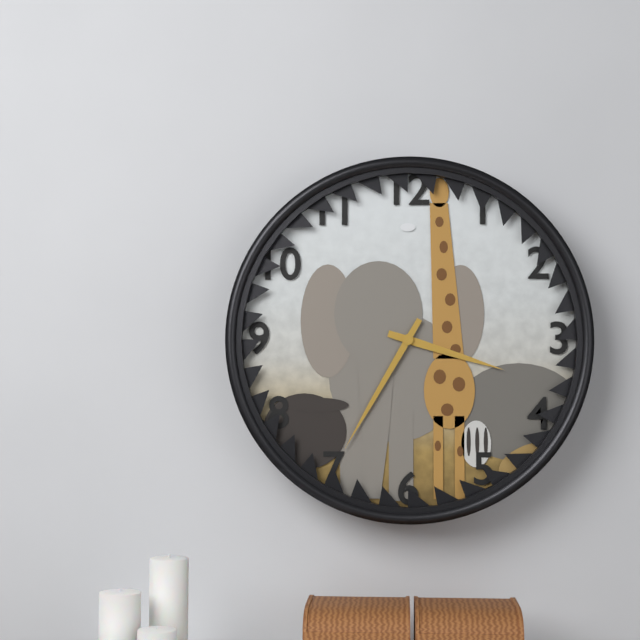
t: 3:35
